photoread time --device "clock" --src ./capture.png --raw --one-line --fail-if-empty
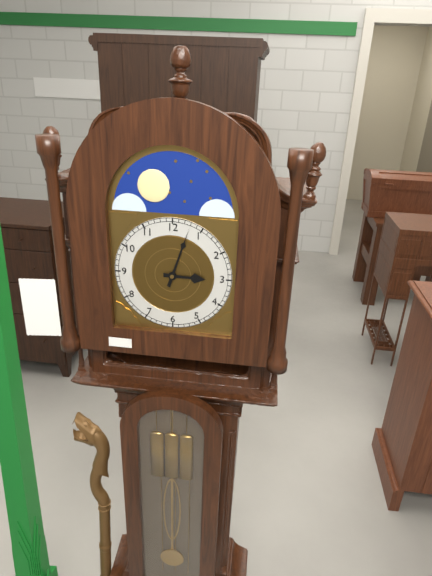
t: 3:03
